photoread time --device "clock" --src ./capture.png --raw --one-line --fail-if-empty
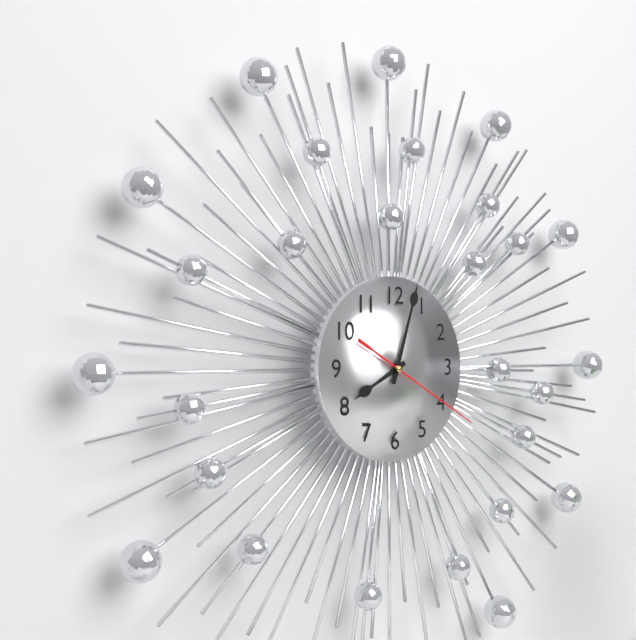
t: 8:03:20
